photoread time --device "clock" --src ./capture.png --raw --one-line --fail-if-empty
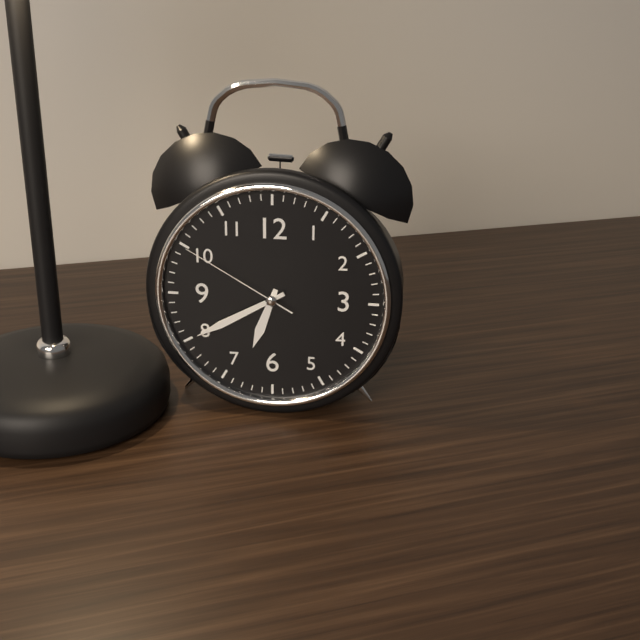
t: 6:40:50
